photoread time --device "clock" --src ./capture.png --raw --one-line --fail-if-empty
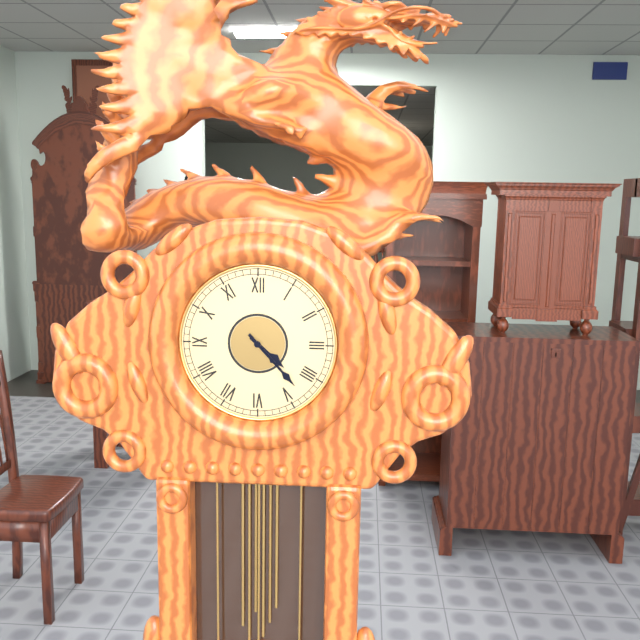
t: 4:23
